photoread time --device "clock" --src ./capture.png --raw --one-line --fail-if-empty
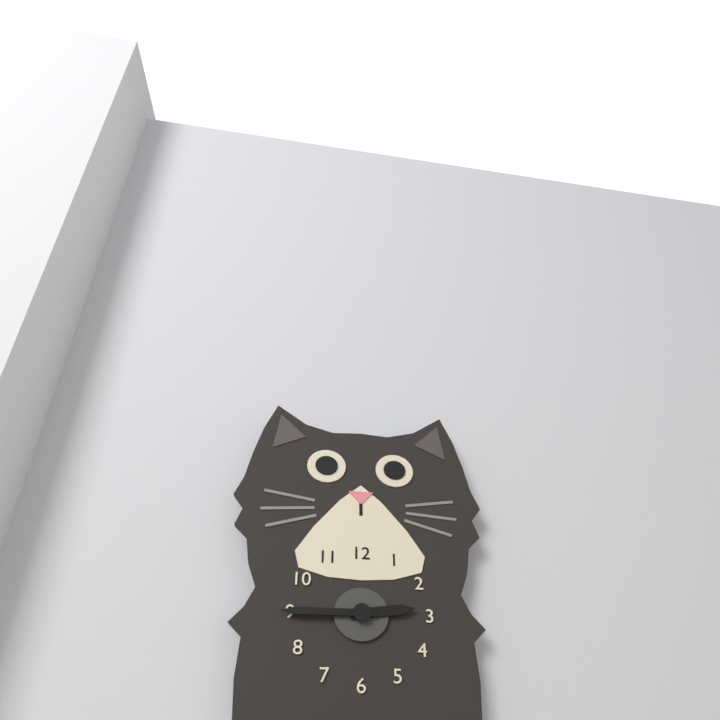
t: 2:45
